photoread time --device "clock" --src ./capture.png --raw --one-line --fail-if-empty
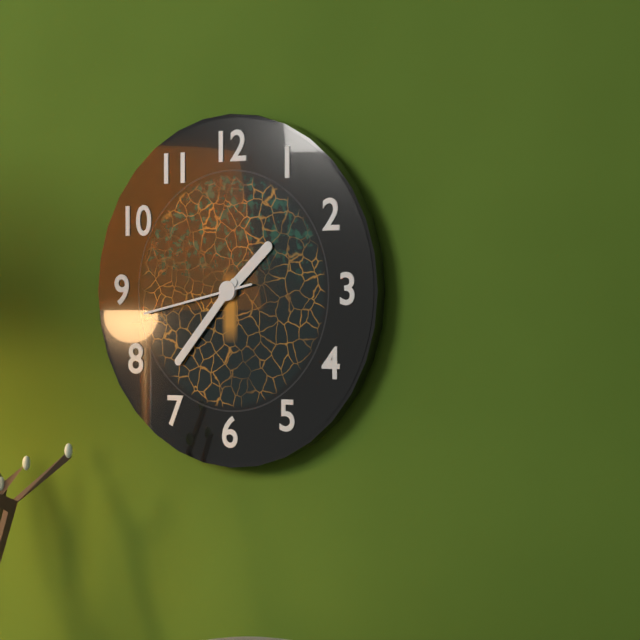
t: 1:37:43
